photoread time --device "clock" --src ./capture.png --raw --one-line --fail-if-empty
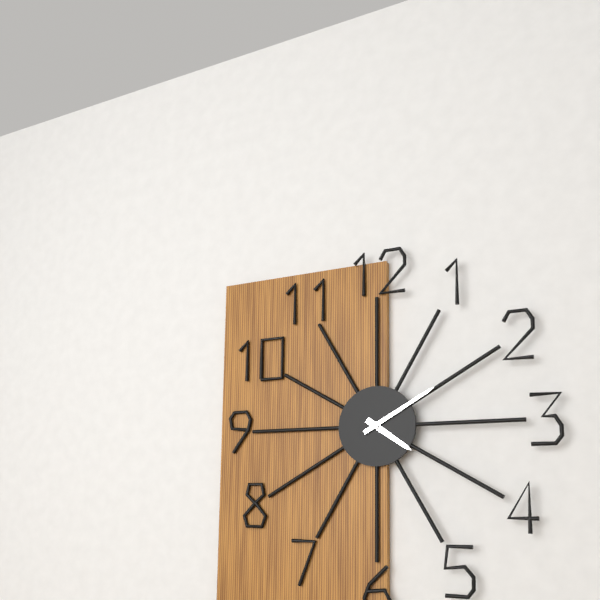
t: 4:10
